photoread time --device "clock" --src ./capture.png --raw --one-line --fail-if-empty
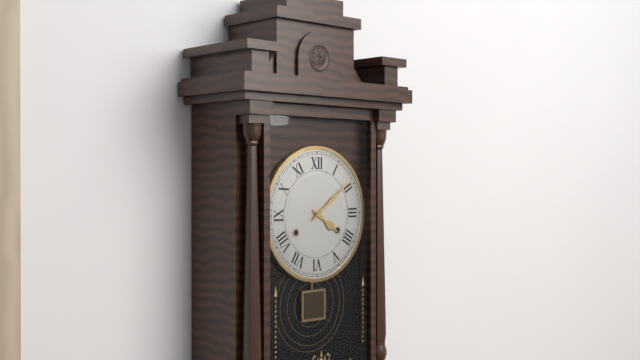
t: 4:09
